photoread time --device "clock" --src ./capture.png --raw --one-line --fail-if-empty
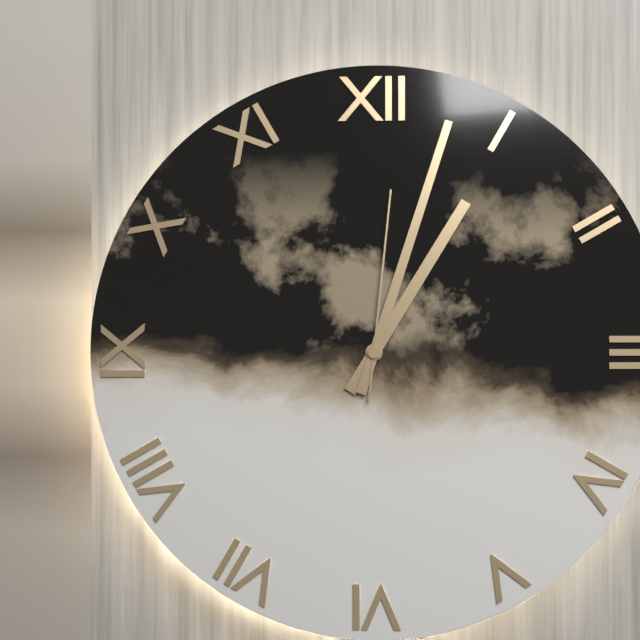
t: 1:03:01
